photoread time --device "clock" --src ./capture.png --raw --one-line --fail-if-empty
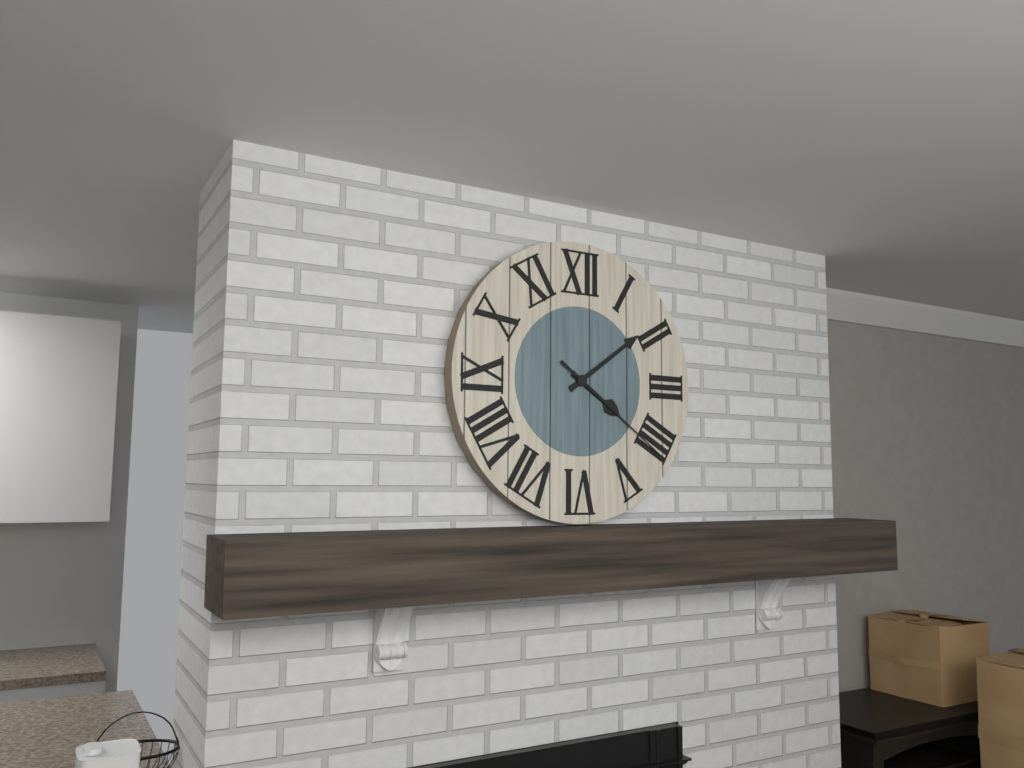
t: 4:09:21
